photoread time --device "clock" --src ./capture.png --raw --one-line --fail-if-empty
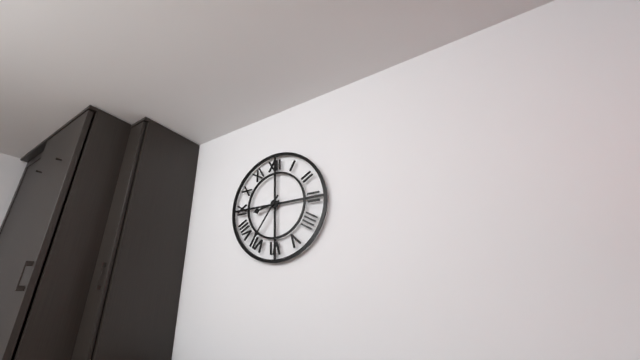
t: 8:36
